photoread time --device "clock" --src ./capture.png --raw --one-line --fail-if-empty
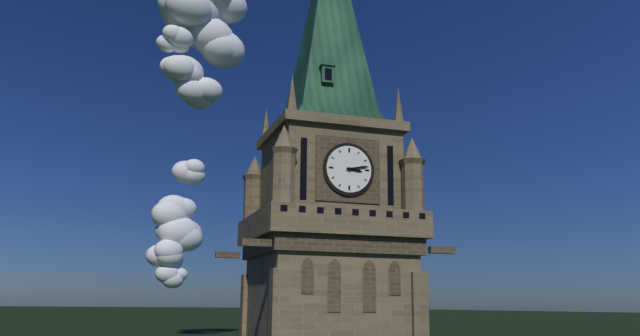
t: 3:13
